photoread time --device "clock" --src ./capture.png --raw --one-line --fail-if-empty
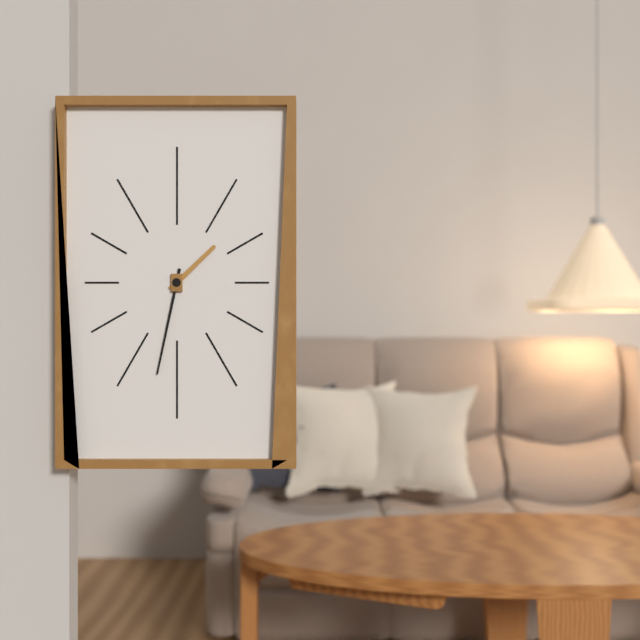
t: 1:32
